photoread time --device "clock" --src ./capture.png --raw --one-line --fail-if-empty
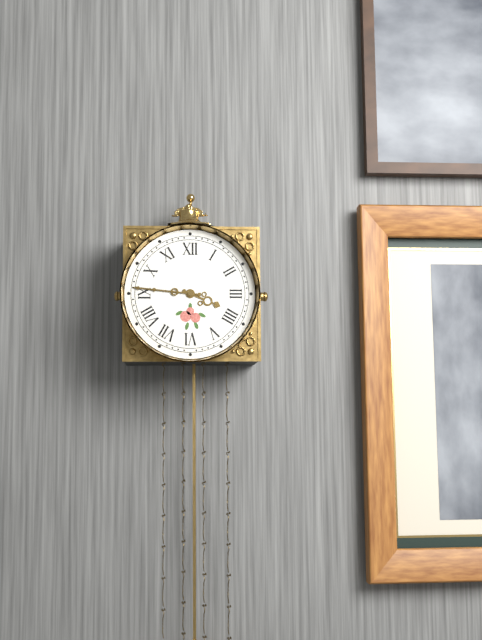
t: 3:46
